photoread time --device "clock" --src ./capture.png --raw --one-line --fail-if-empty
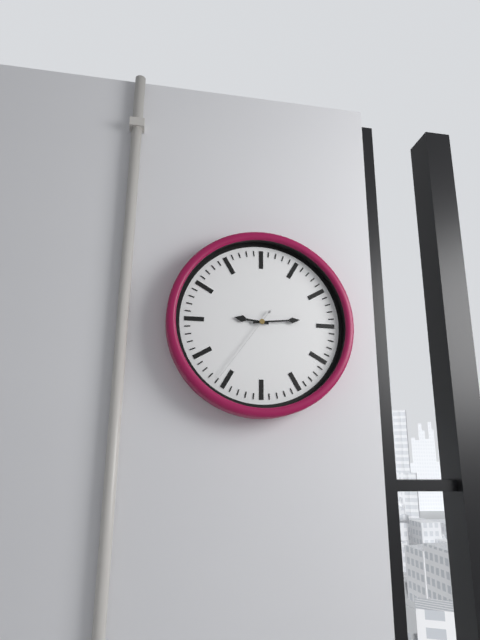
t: 9:14:36
